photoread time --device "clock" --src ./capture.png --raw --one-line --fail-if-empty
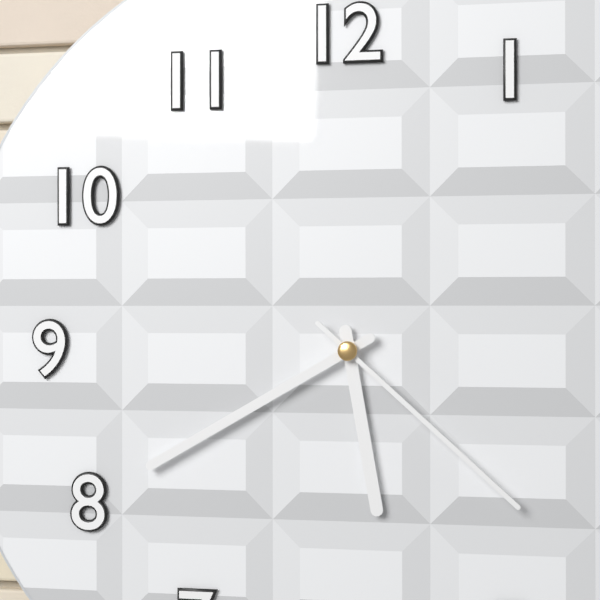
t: 5:40:22
